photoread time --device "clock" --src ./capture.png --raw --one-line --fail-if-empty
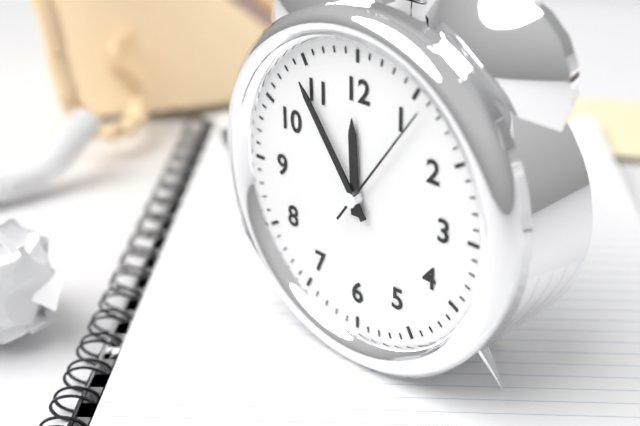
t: 11:54:06
